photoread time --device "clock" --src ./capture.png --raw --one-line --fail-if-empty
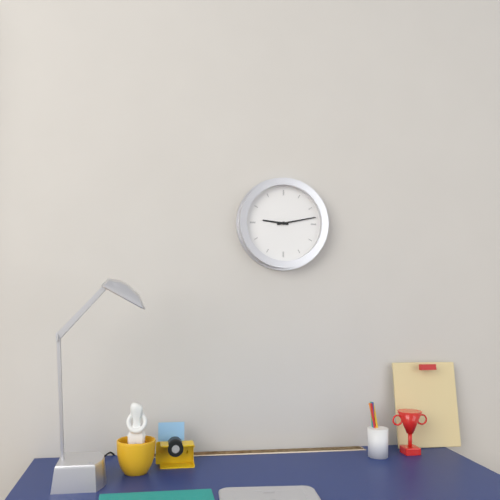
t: 9:13
